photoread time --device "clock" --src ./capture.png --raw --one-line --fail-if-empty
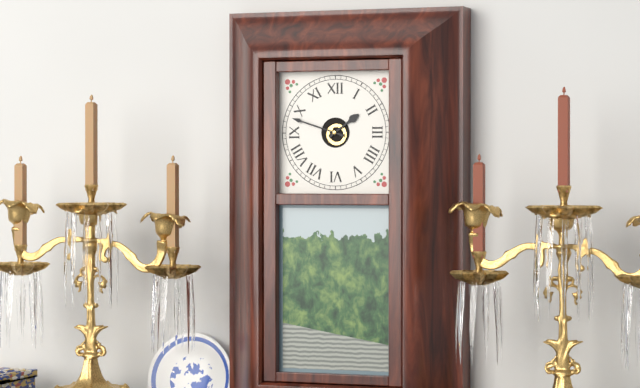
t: 1:48
